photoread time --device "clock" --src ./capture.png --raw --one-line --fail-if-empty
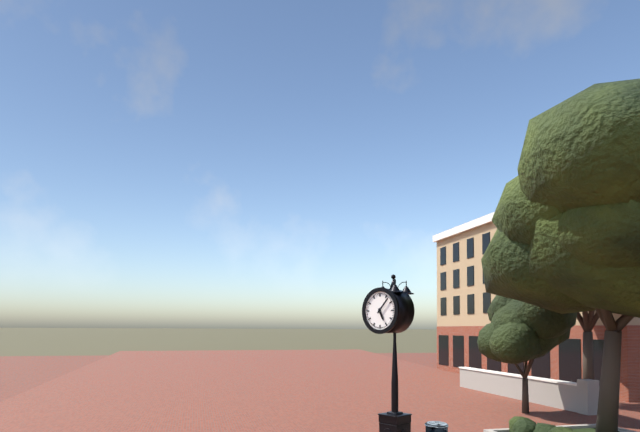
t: 5:07
